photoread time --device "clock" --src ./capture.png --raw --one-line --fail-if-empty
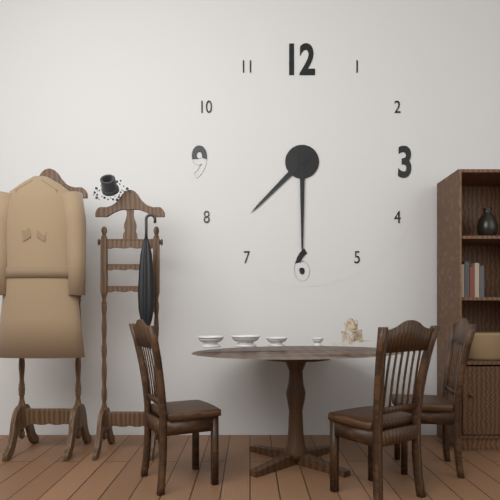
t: 7:30
